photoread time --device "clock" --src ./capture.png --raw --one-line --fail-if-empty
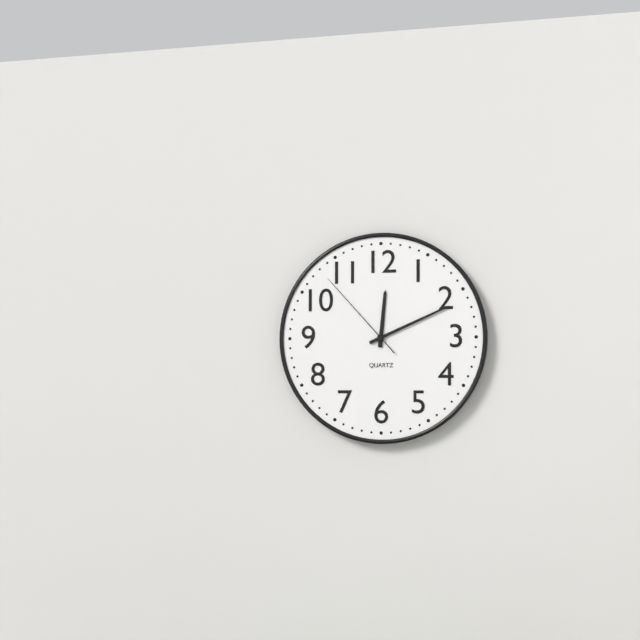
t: 12:11:53
